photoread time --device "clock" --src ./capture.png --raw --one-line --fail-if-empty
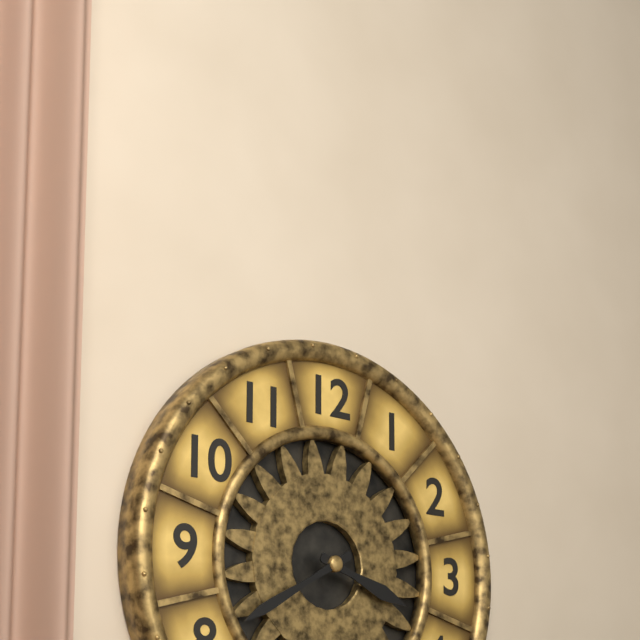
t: 3:40
